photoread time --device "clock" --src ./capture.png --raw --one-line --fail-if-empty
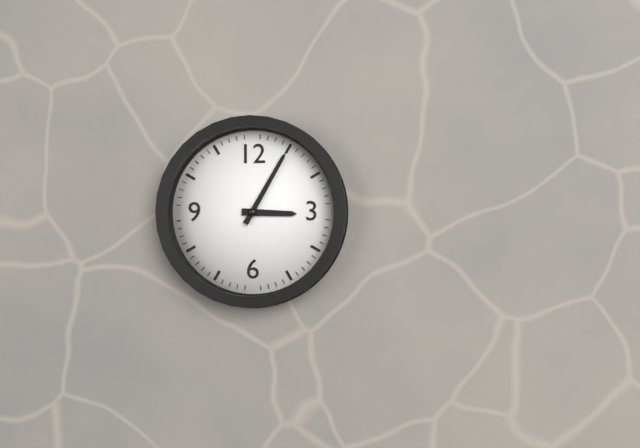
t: 3:05
